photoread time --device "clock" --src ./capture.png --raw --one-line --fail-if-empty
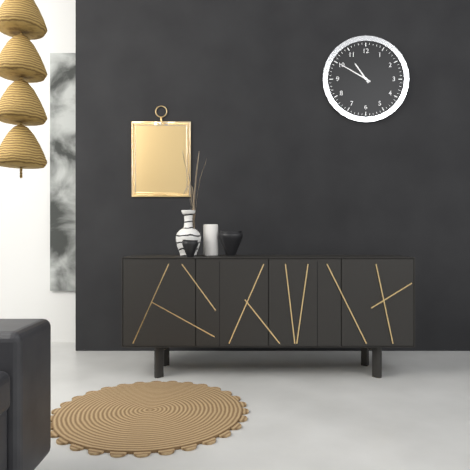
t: 10:50
